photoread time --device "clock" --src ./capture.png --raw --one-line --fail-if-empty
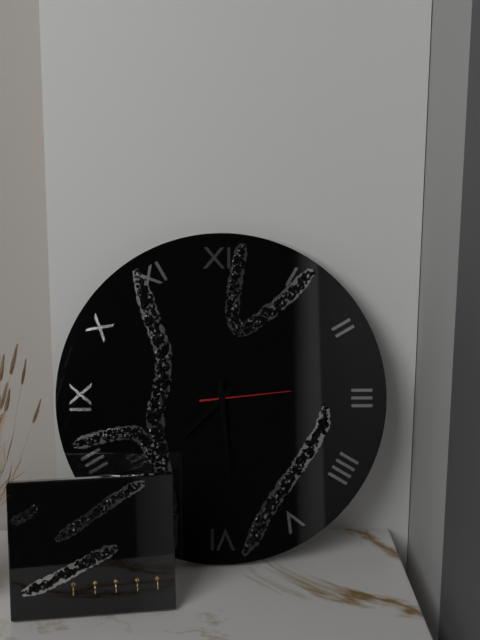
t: 7:29:14
